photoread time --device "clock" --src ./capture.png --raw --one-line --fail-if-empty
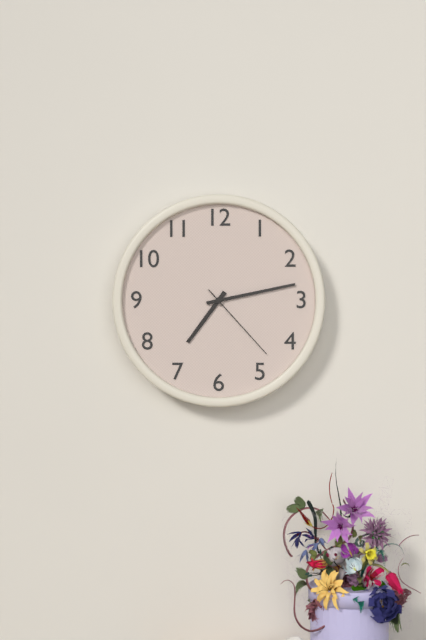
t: 7:13:23
